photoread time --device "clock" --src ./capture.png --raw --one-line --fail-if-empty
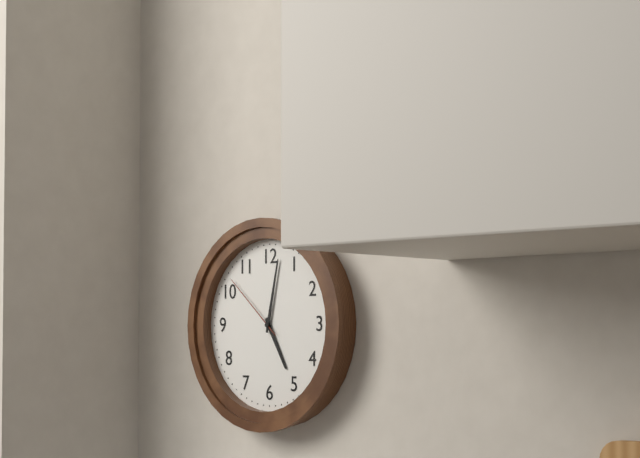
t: 5:02:52
